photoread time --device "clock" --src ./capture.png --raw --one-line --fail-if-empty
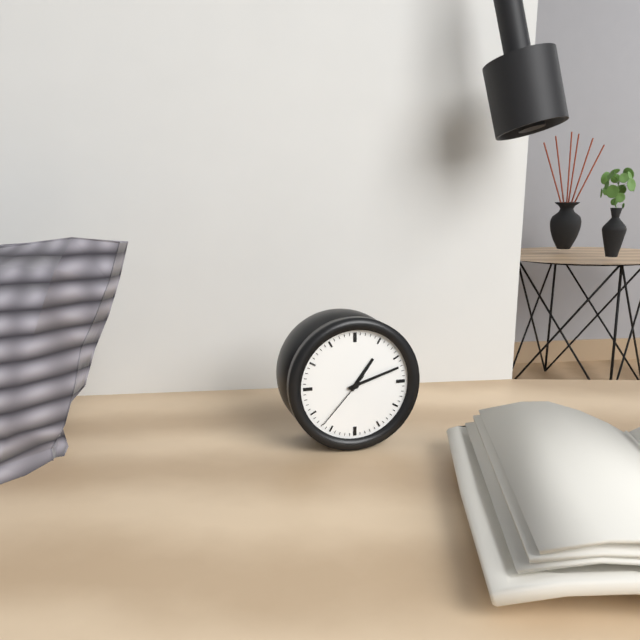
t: 1:12:37
